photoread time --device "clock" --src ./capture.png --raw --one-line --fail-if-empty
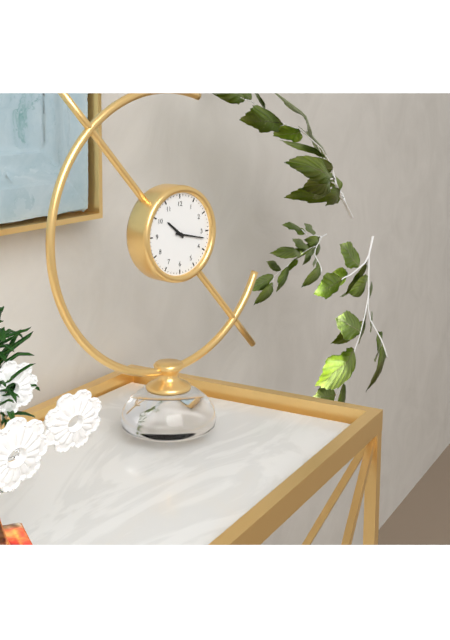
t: 10:17
